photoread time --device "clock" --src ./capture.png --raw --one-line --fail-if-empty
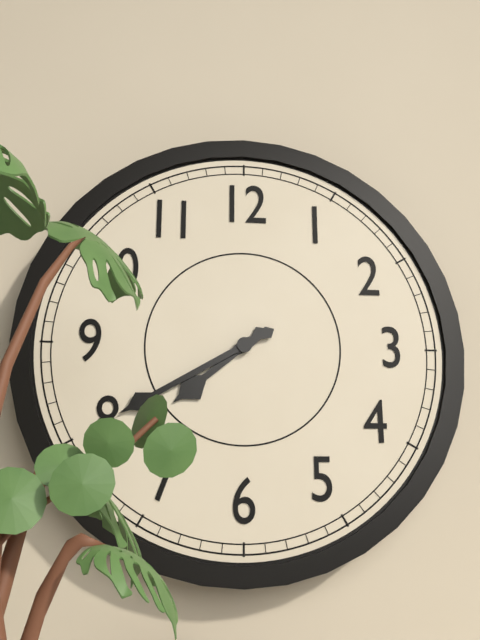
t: 7:40
